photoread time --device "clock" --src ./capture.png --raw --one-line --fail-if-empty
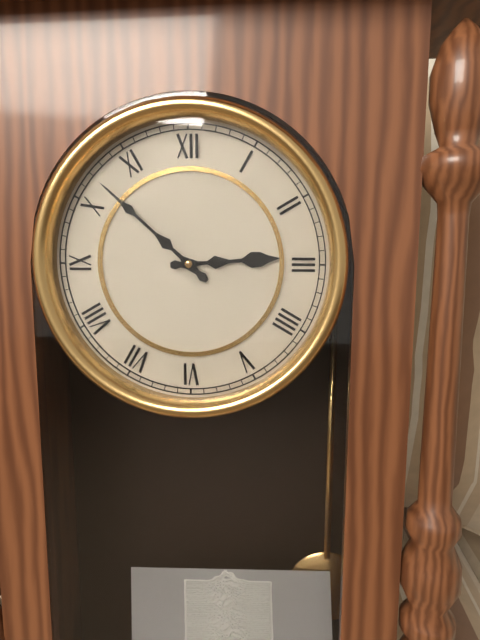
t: 2:52
